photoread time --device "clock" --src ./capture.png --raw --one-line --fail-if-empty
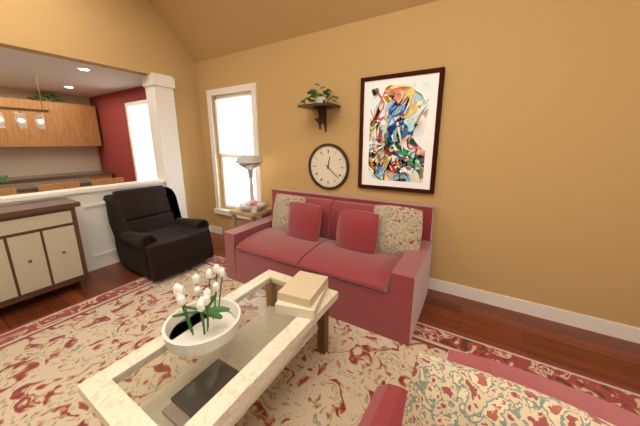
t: 12:22
